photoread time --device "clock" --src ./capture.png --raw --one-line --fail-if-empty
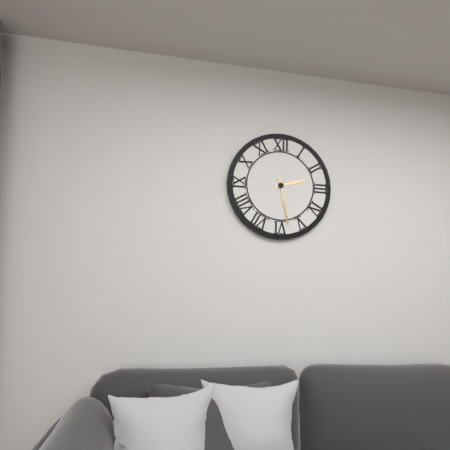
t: 2:28
